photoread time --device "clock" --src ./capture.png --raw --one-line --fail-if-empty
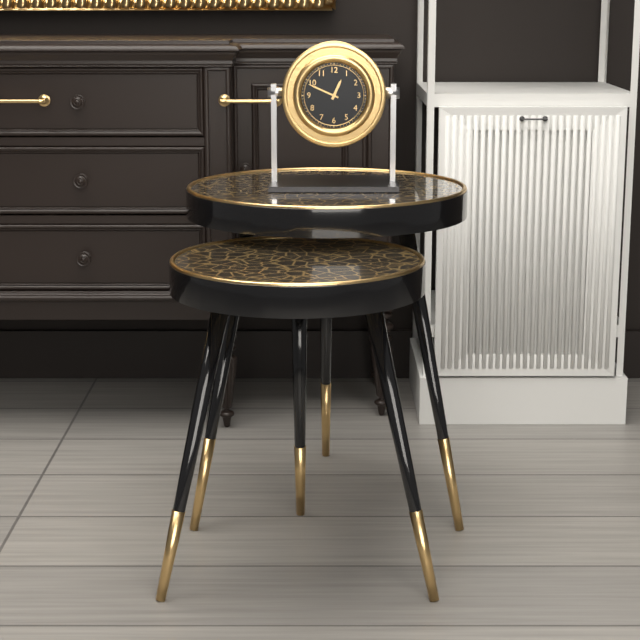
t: 12:49
